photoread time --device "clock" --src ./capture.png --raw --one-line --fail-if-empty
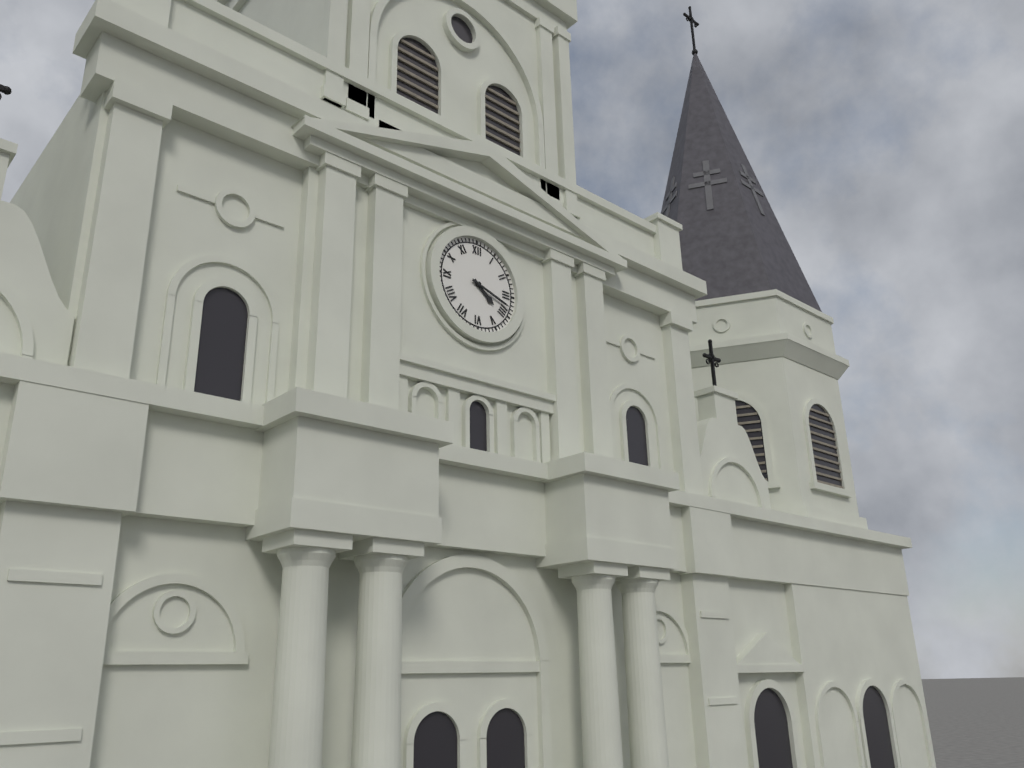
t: 4:18
